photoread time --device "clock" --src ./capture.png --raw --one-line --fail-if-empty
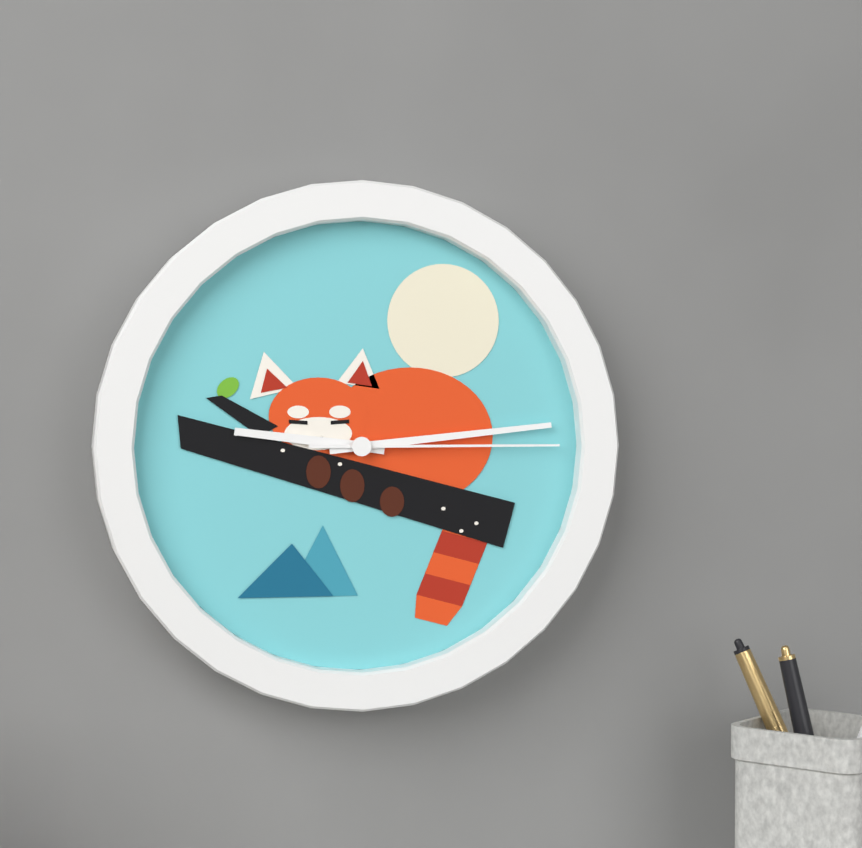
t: 9:14:15
